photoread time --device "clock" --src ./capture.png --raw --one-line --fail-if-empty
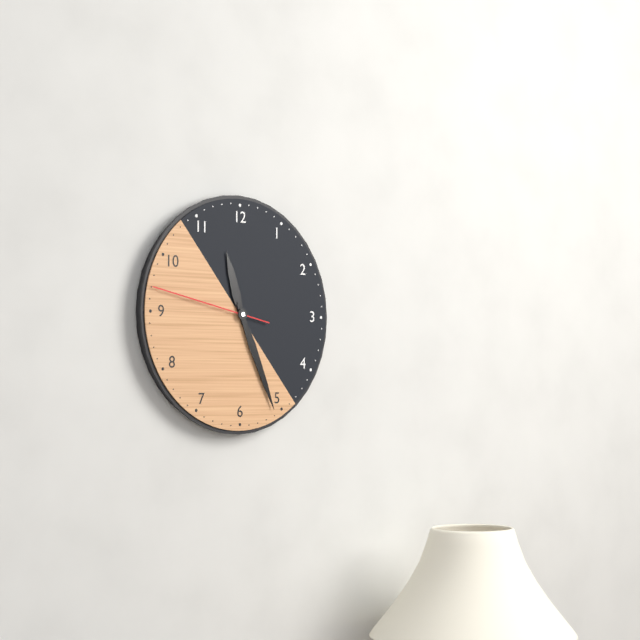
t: 11:26:47
